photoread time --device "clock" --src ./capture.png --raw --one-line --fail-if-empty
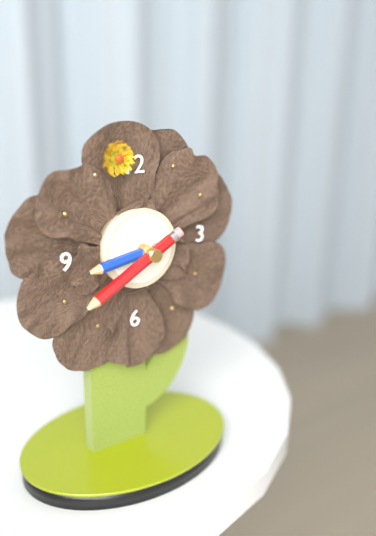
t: 8:40
